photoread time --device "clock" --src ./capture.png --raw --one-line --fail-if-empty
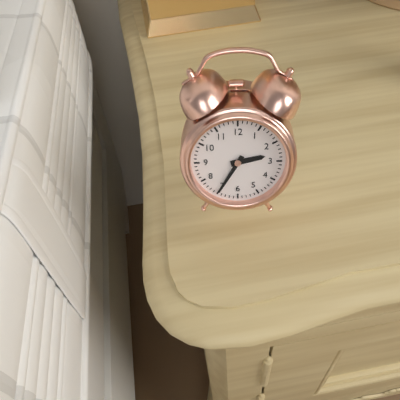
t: 2:35
